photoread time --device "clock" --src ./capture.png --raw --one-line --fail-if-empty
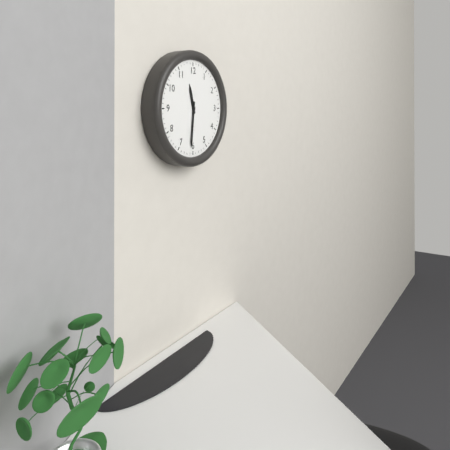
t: 11:31
